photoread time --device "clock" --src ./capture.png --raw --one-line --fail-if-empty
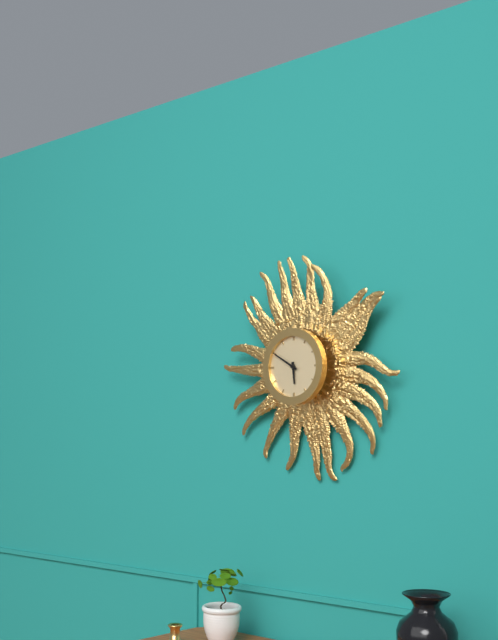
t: 5:50
